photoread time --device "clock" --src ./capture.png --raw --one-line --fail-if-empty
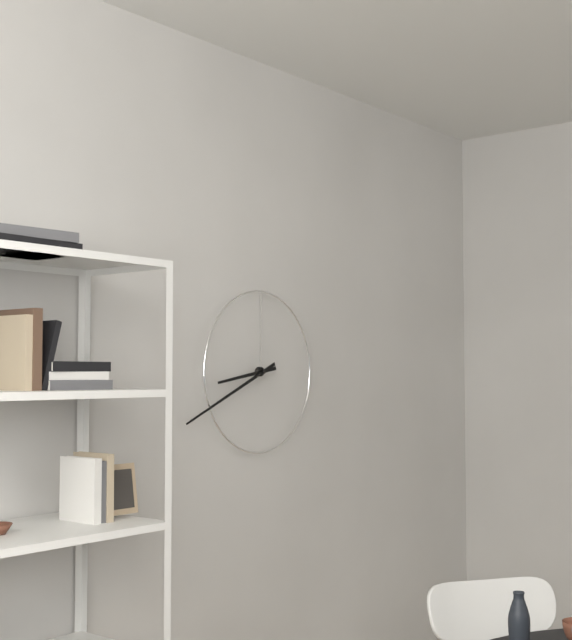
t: 8:41
